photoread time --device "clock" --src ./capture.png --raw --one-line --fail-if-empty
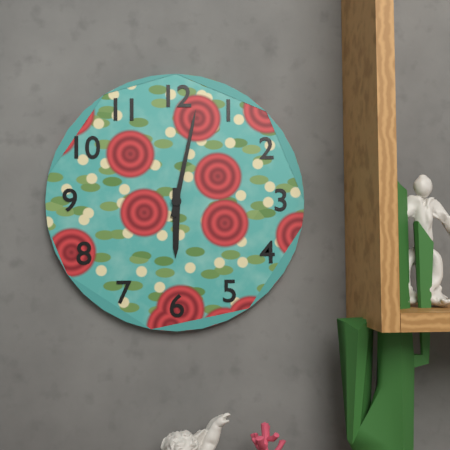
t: 6:02
